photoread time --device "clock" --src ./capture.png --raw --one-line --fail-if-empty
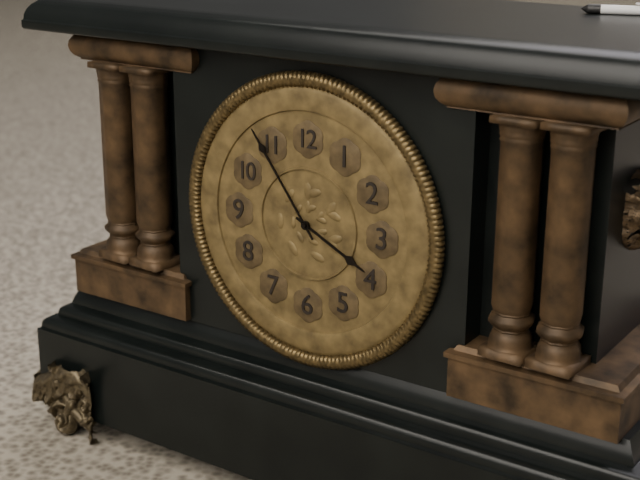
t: 3:54
